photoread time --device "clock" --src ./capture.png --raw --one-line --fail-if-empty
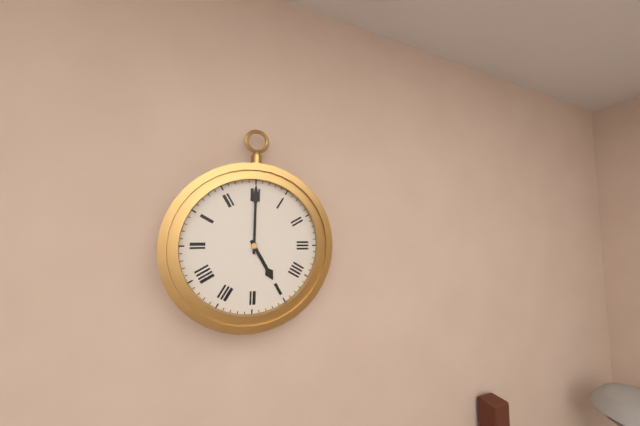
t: 5:00
